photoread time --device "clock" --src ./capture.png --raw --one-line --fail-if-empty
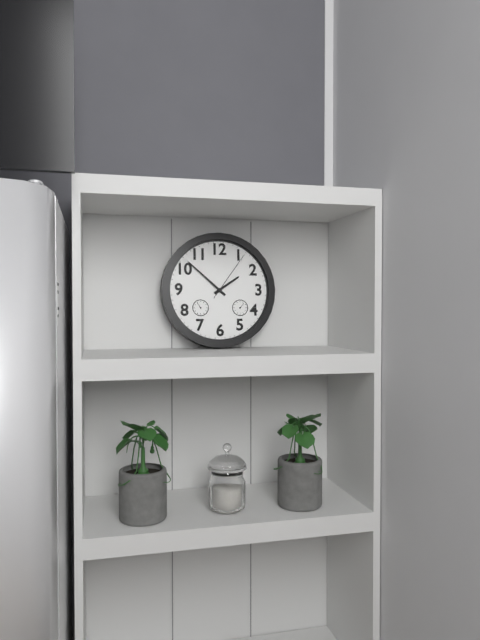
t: 1:52:06
